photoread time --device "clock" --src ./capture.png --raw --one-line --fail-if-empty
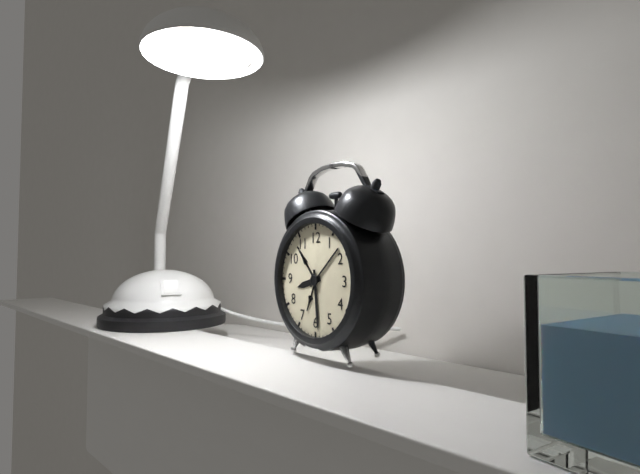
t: 8:29
